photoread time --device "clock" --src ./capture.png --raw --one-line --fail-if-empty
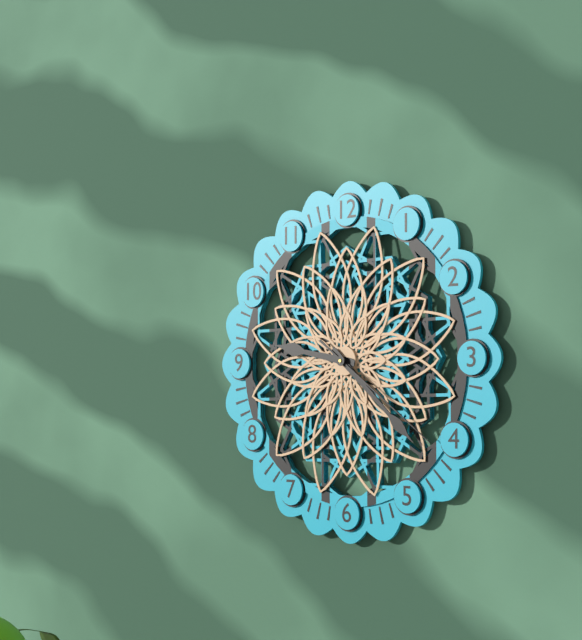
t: 9:22:21
